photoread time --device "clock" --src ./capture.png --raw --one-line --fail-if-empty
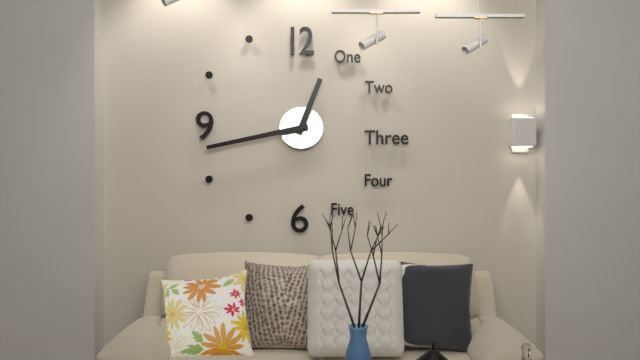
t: 12:43
